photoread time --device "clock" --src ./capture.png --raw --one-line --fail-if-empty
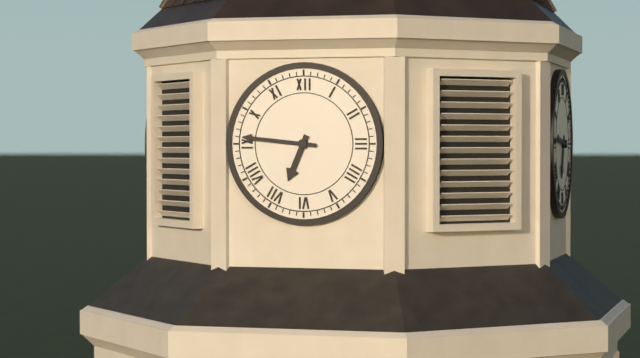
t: 6:46
